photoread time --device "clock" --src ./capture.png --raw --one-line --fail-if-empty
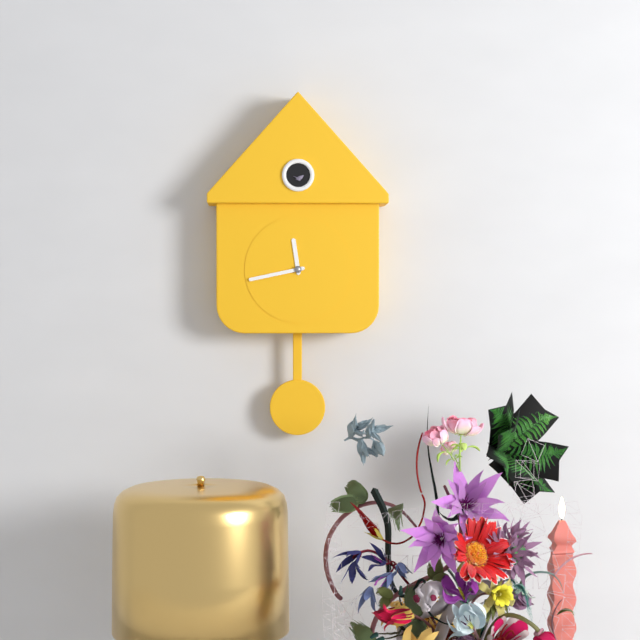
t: 11:43
